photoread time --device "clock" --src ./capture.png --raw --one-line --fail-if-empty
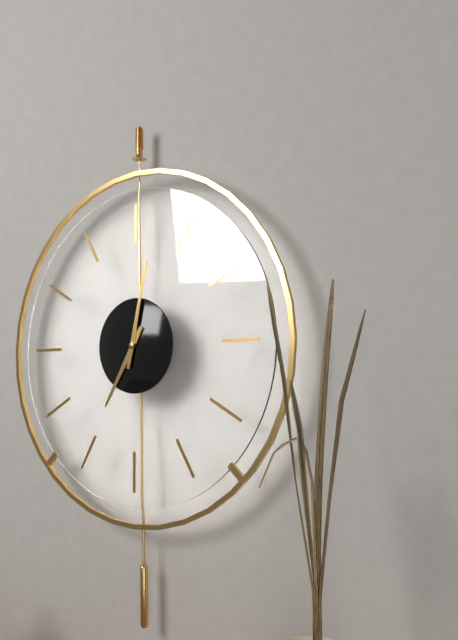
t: 7:02
